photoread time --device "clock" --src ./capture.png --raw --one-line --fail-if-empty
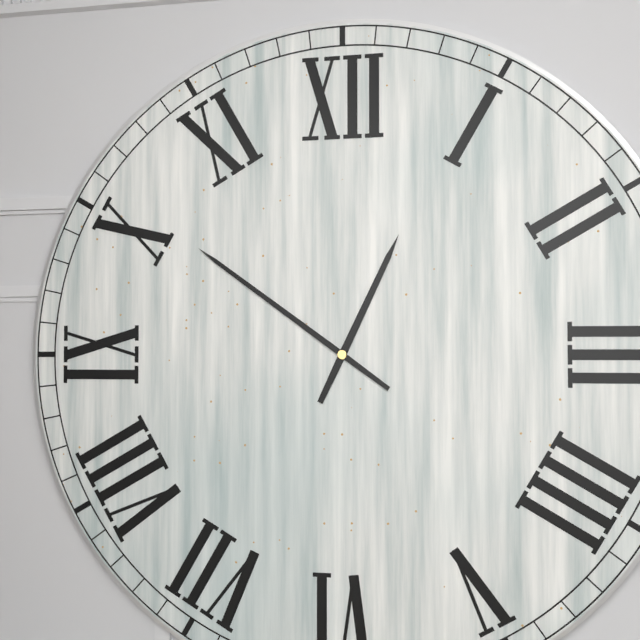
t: 12:51
